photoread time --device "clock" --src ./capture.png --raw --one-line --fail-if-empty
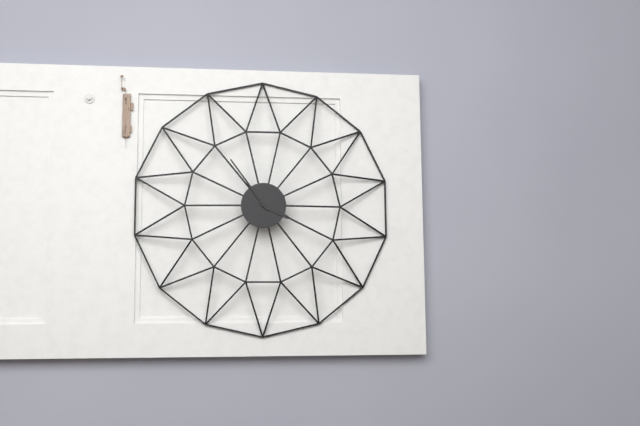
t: 3:54
